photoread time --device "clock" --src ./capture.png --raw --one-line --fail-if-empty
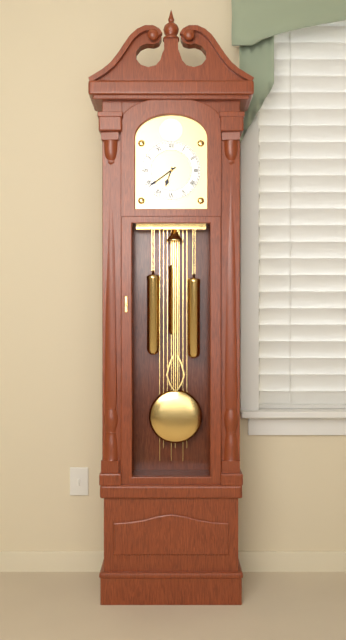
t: 6:39
